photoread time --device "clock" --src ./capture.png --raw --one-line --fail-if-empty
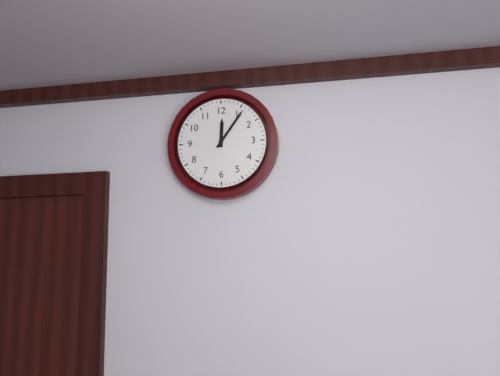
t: 12:06
